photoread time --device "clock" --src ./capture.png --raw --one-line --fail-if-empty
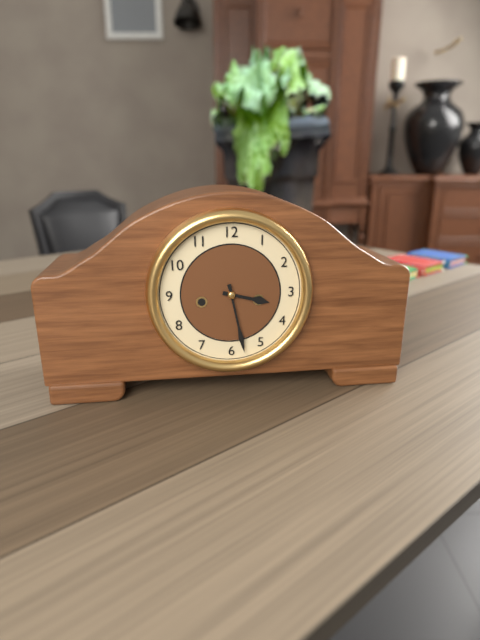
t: 3:28
